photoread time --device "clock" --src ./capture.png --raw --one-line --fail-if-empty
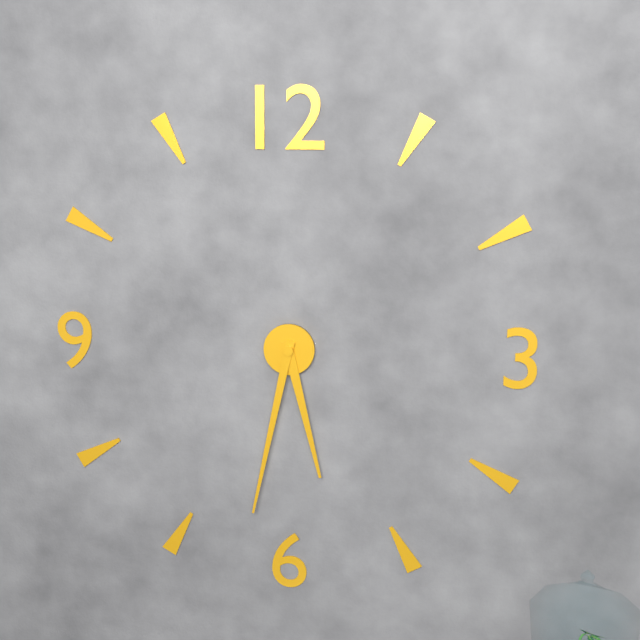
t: 5:32
